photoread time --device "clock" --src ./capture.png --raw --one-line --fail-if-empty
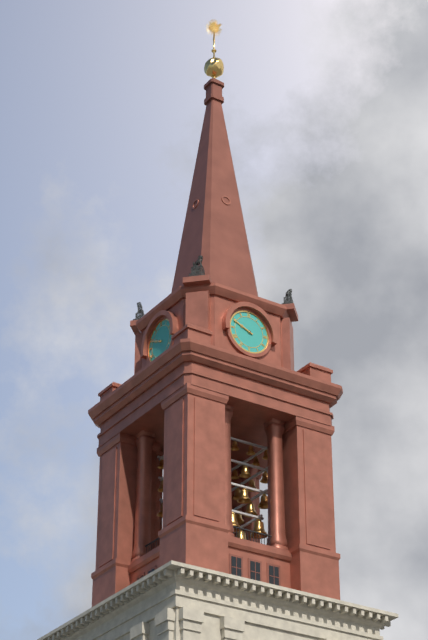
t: 9:49
